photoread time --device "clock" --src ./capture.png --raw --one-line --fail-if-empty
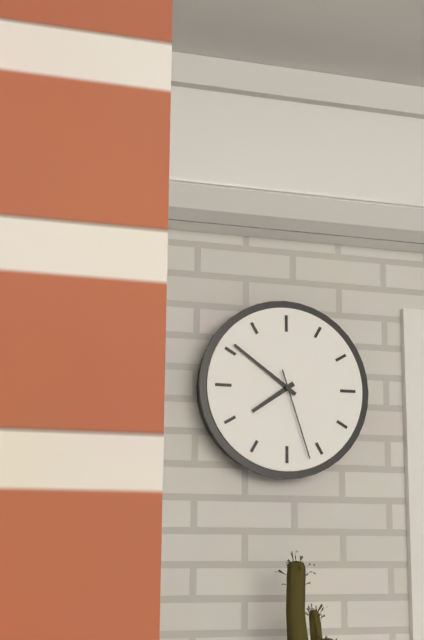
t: 7:51:27
